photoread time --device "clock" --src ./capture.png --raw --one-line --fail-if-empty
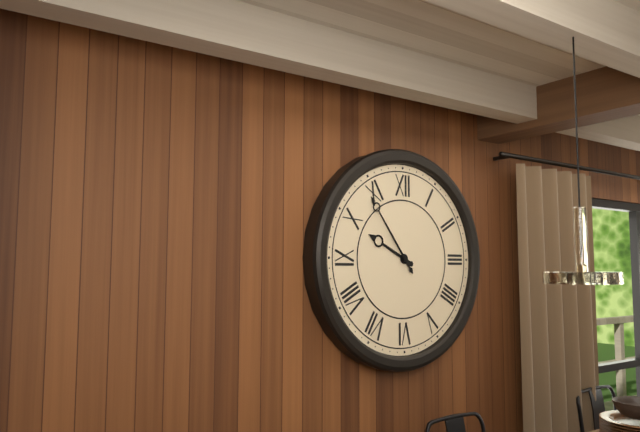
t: 9:54
